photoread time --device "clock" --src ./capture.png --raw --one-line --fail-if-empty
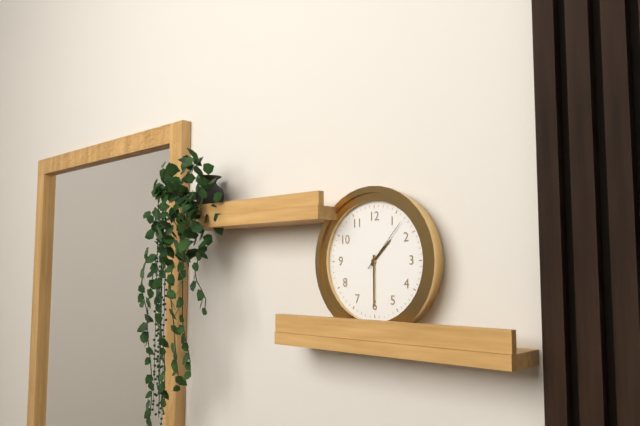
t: 1:30:07
